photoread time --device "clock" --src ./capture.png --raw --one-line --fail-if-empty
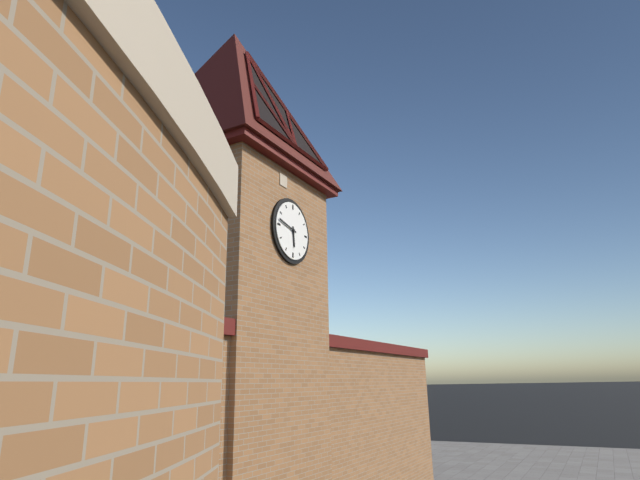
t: 5:47
